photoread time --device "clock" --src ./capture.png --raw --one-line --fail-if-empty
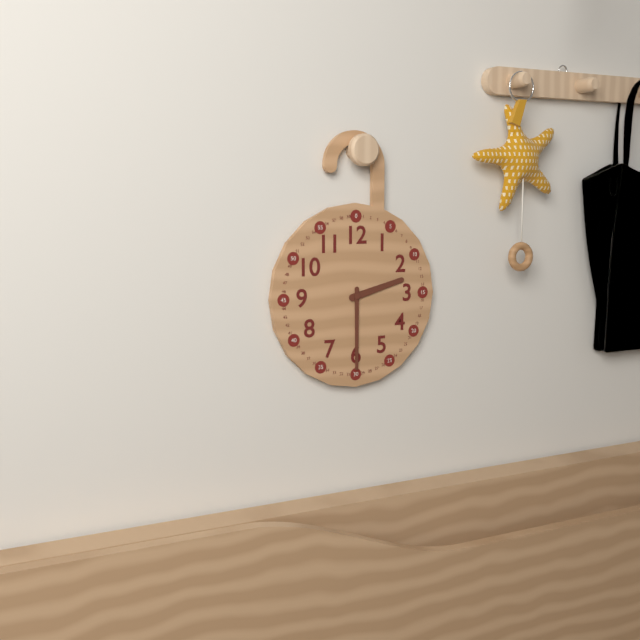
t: 2:30
